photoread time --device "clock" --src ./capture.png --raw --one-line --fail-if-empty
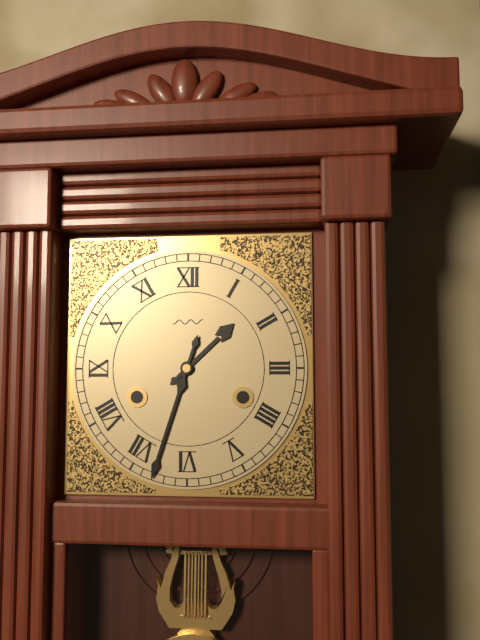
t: 1:33
